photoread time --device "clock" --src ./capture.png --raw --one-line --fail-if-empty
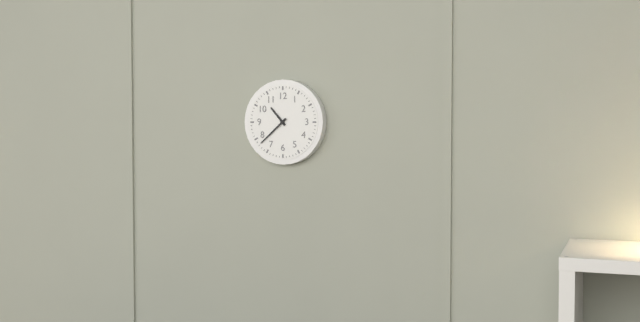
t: 10:38
